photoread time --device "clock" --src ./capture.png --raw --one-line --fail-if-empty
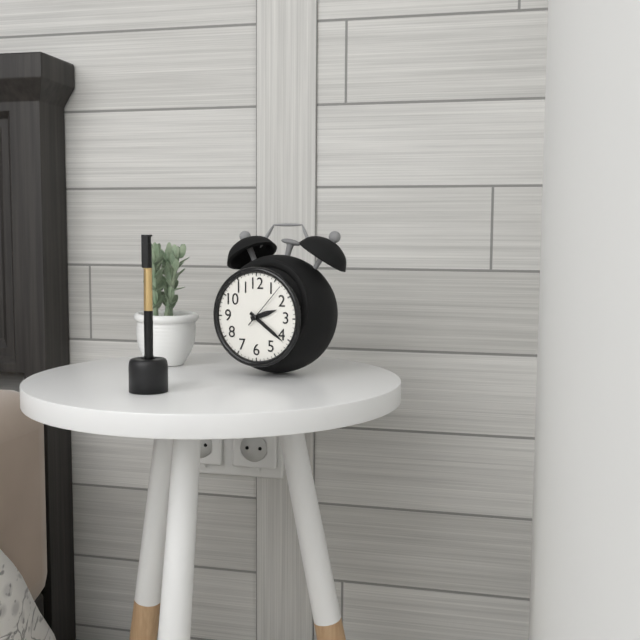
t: 2:21
